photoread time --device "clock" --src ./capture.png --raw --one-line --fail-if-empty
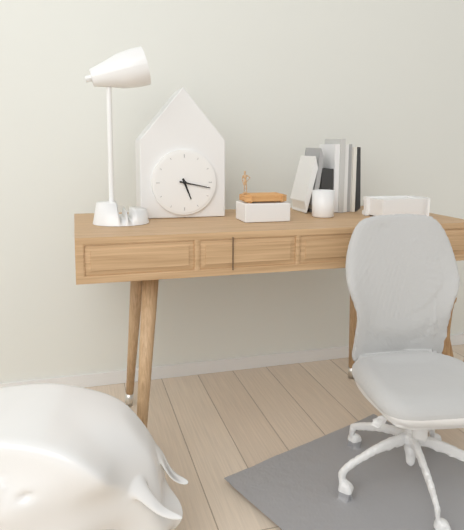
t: 5:17
